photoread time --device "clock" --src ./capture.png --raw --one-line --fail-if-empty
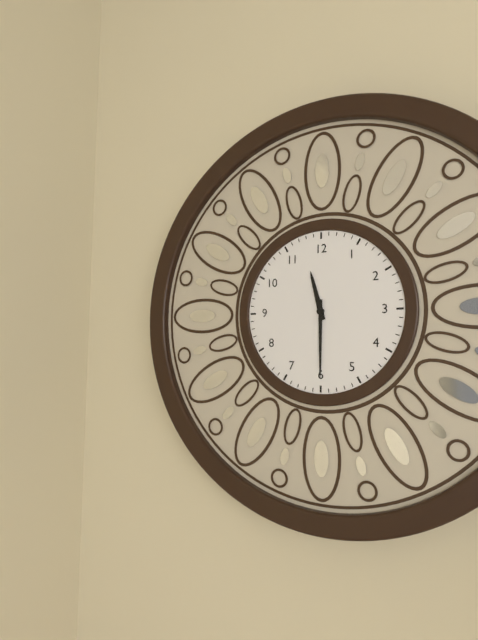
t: 11:30
